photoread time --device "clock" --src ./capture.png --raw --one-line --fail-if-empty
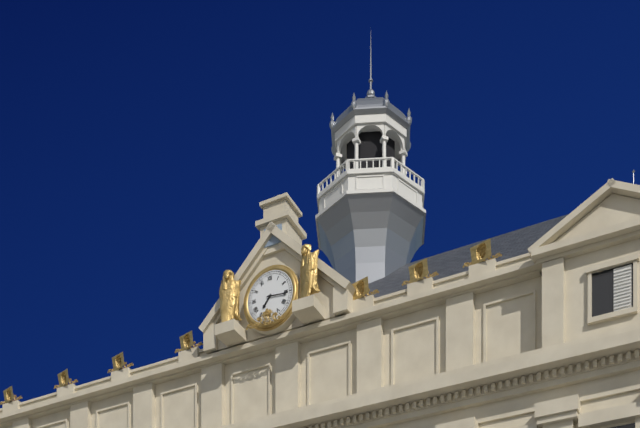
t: 7:16
